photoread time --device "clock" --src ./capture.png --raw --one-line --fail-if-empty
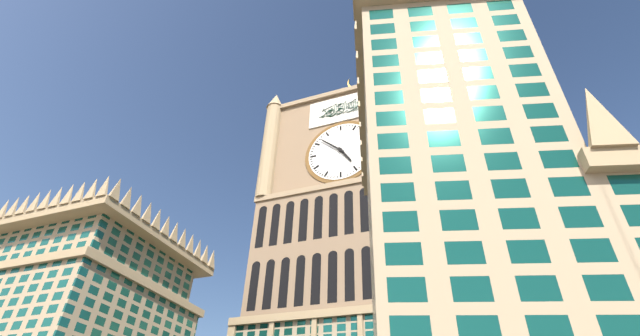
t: 4:52
